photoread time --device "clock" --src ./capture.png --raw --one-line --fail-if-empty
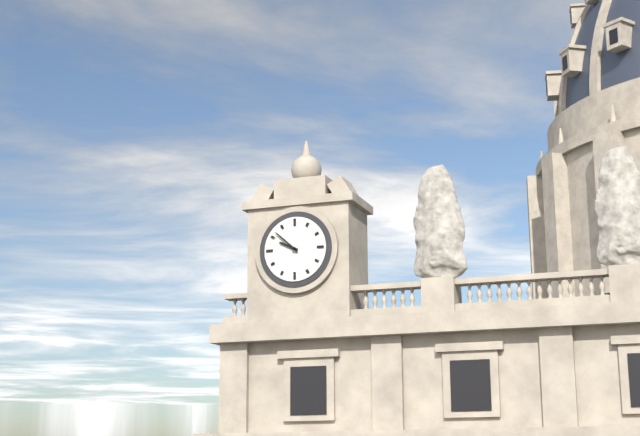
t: 9:52
